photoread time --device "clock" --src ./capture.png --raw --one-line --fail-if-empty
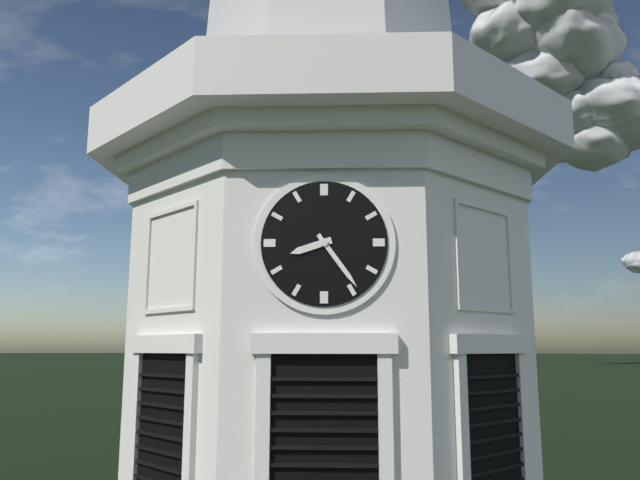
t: 8:24
